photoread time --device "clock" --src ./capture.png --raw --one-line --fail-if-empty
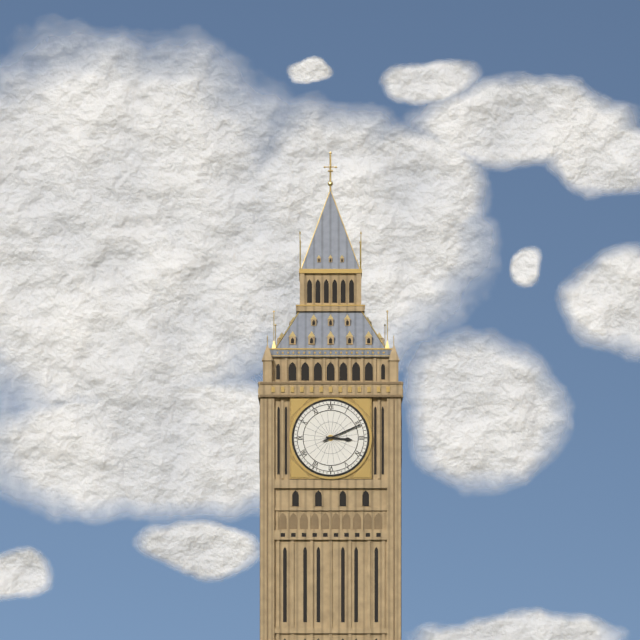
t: 3:11
